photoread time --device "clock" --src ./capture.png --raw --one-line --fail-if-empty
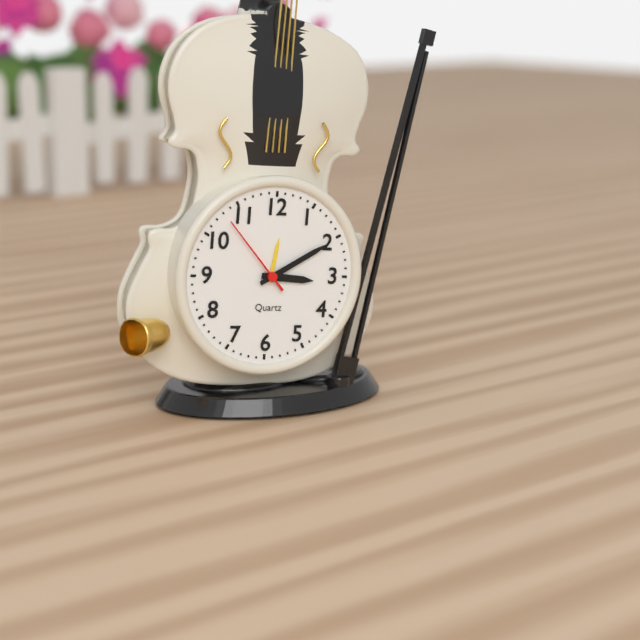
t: 3:10:53
